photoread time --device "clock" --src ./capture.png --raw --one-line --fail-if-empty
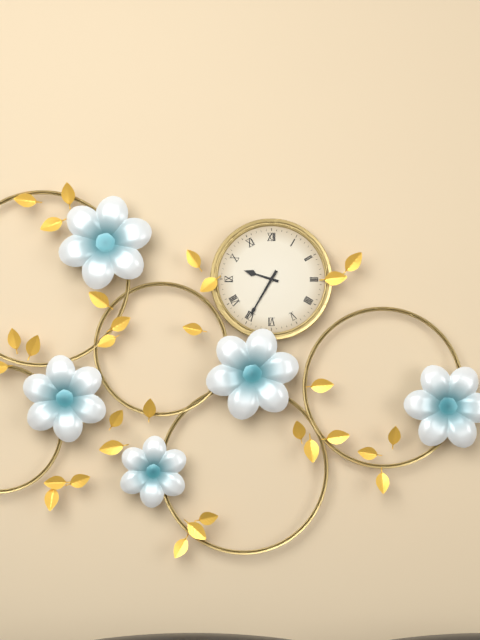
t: 9:35
